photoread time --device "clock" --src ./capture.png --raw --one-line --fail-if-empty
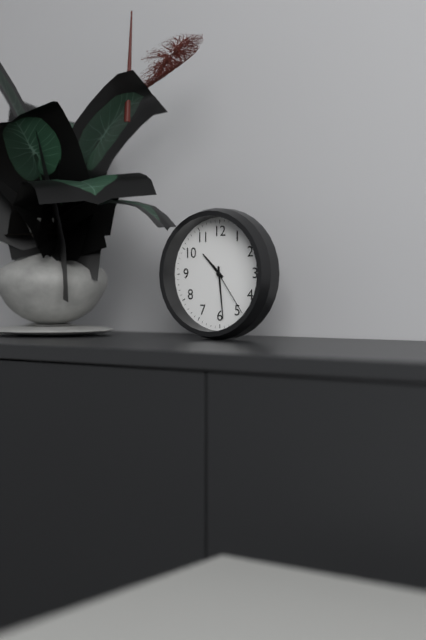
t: 10:29:24
